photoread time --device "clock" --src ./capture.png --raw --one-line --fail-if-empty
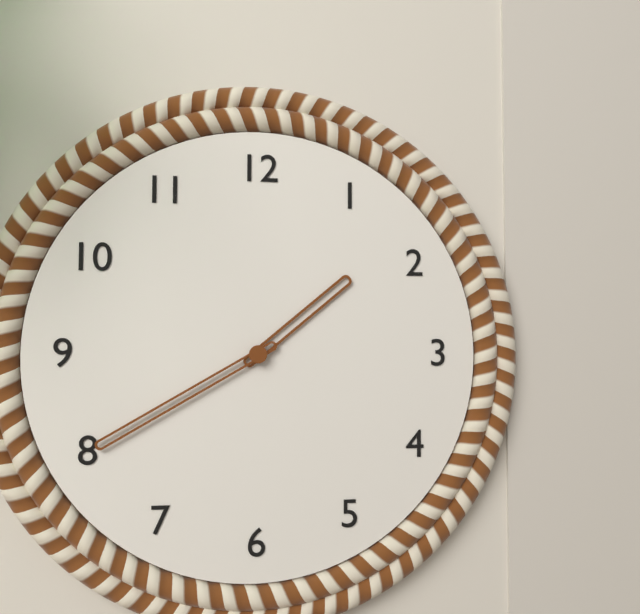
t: 1:40
